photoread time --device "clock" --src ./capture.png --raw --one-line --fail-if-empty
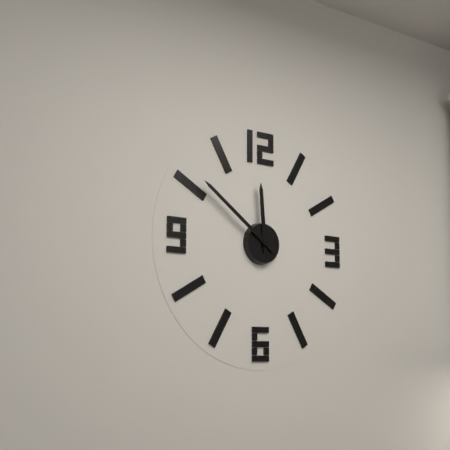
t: 11:51
